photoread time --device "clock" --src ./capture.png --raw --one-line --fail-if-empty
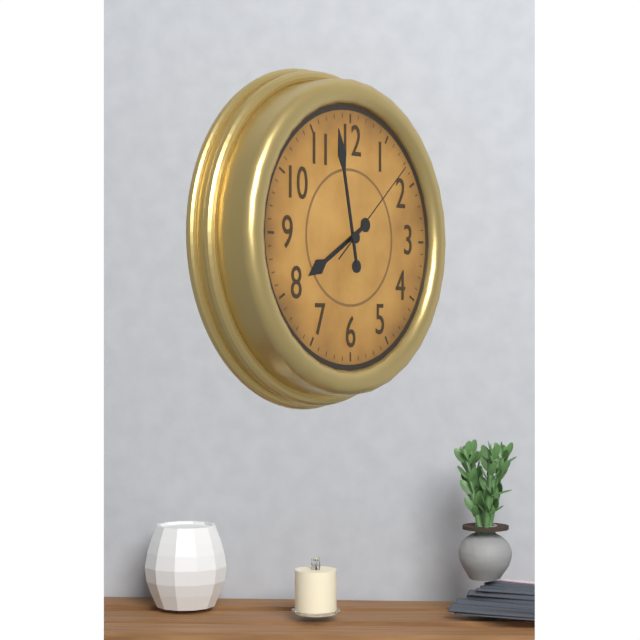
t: 7:58:08
